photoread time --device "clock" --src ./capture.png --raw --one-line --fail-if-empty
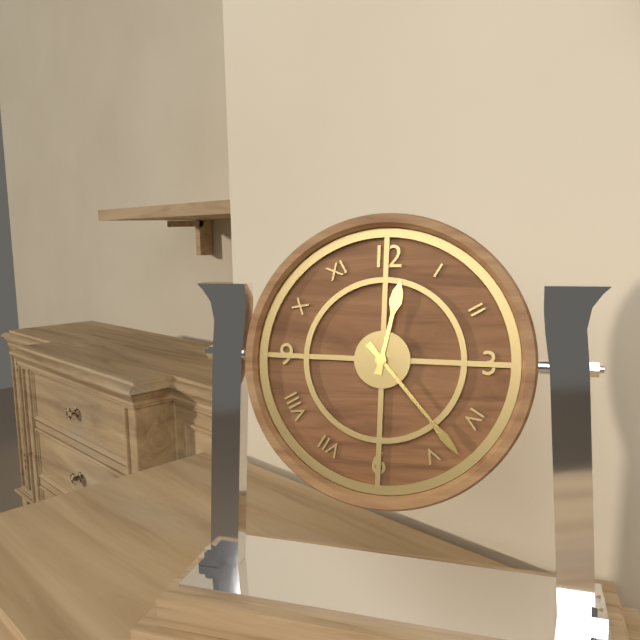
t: 12:23
